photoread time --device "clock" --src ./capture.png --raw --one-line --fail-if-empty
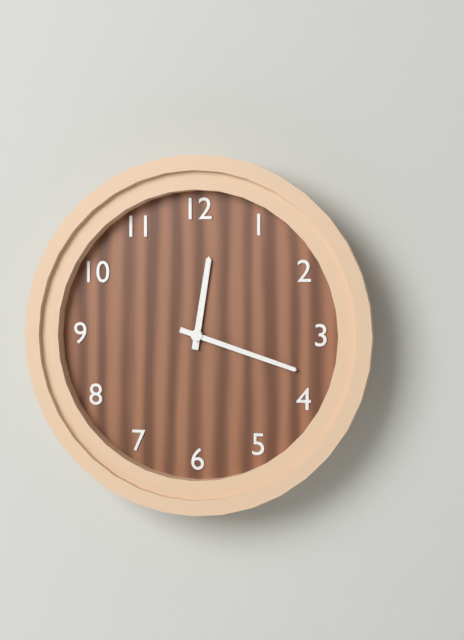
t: 12:18
